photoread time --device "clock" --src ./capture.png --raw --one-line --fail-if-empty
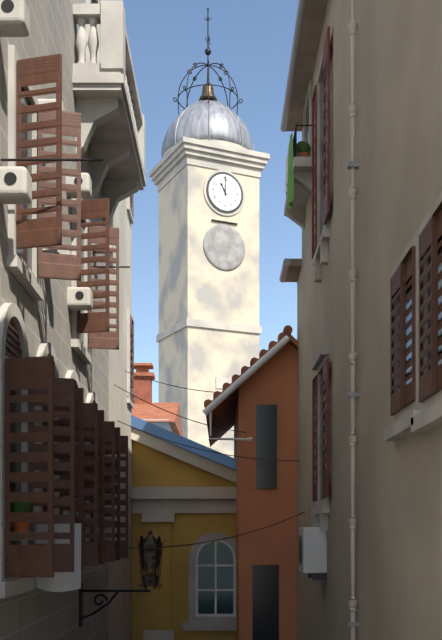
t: 11:00
